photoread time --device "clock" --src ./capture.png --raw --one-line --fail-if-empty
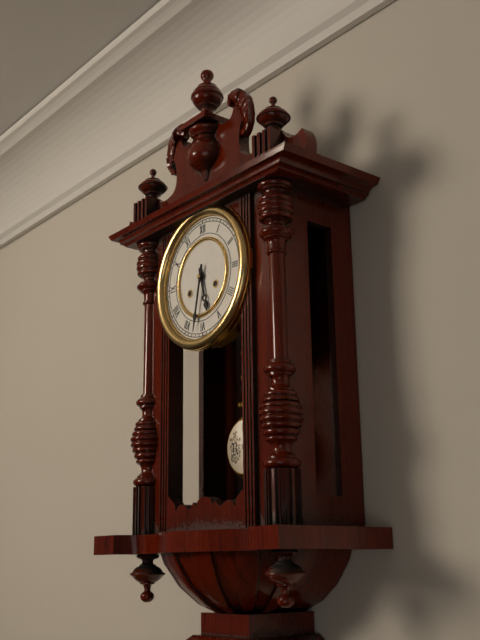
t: 5:32
